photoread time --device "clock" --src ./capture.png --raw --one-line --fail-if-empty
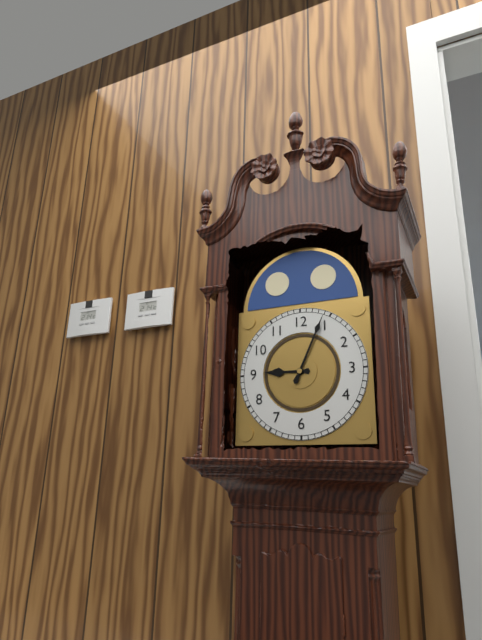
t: 9:04
